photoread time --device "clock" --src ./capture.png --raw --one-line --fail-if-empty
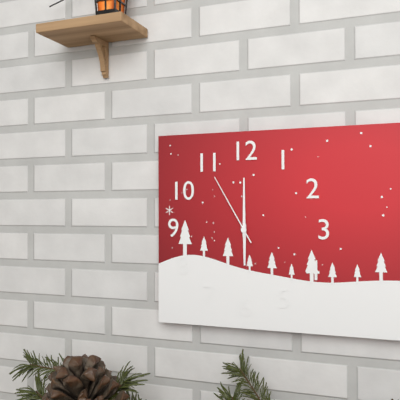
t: 6:00:55
